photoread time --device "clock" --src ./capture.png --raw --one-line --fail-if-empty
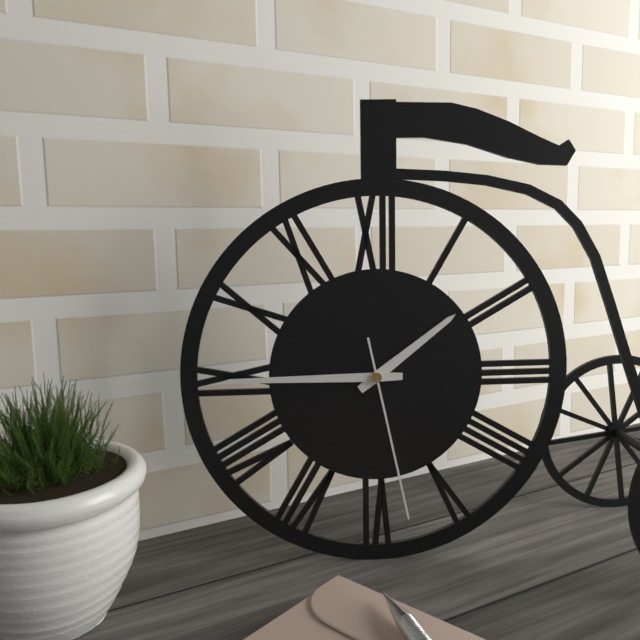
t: 1:45:28
